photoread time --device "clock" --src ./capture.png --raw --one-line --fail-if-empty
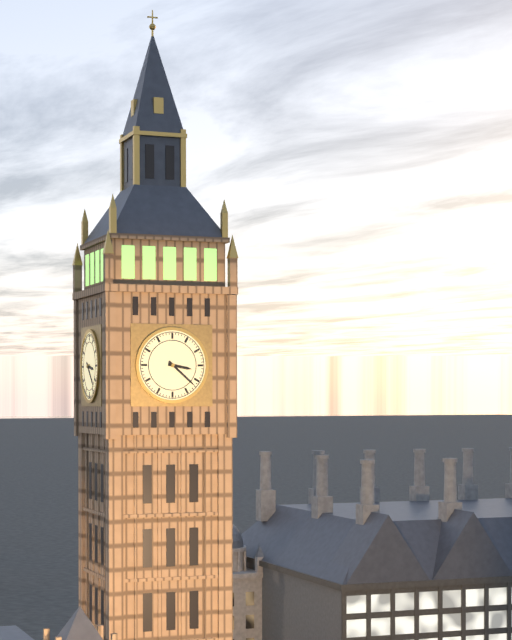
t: 3:22
